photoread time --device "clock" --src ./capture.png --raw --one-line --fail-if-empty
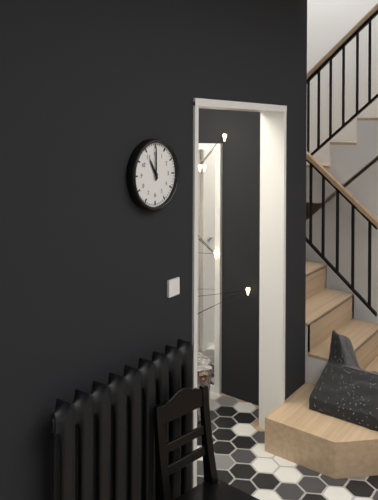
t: 11:00
